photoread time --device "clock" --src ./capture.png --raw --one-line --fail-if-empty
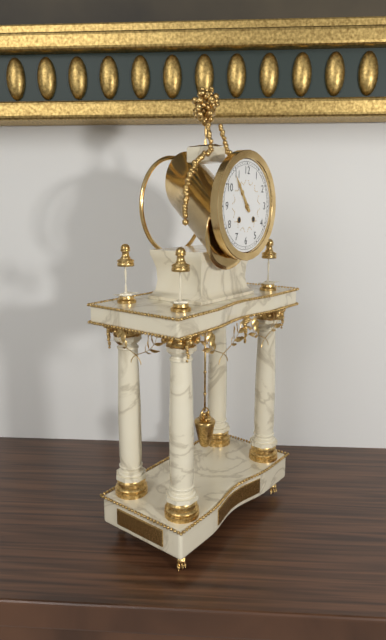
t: 10:54
